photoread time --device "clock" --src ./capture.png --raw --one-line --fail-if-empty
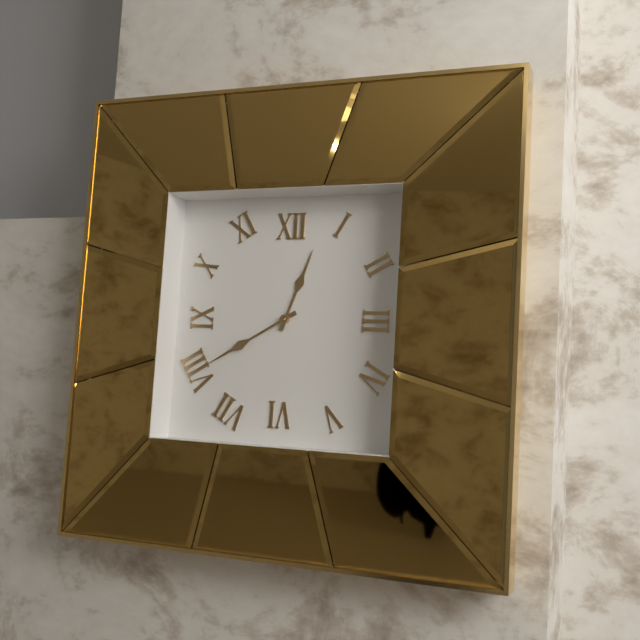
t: 12:40
